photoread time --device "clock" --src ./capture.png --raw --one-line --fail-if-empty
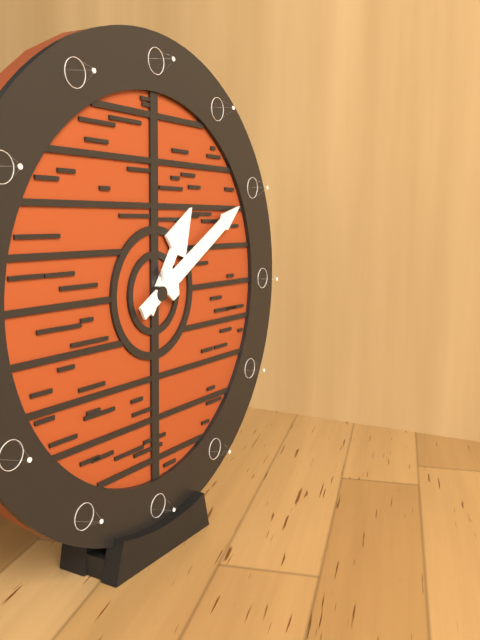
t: 1:10
